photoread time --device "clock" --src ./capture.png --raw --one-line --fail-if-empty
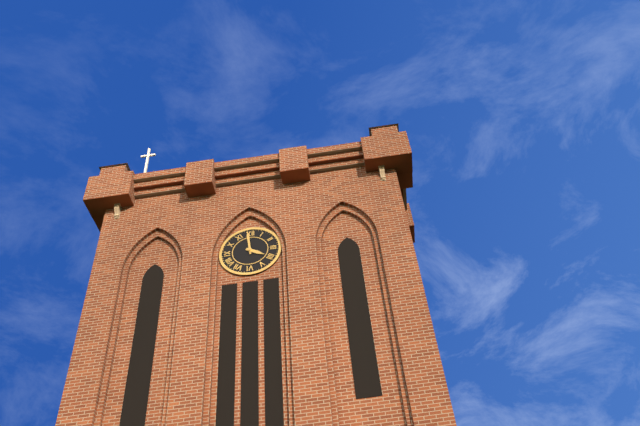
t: 3:59
